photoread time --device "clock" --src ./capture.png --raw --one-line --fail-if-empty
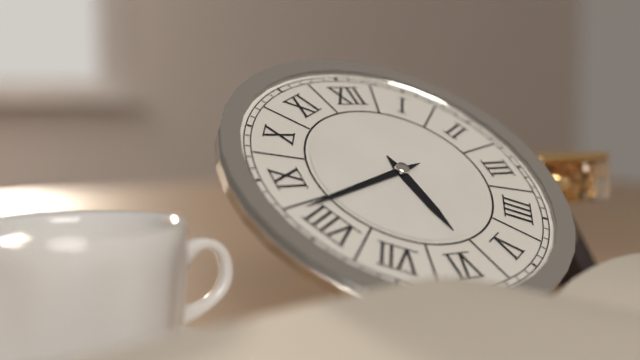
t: 5:42
